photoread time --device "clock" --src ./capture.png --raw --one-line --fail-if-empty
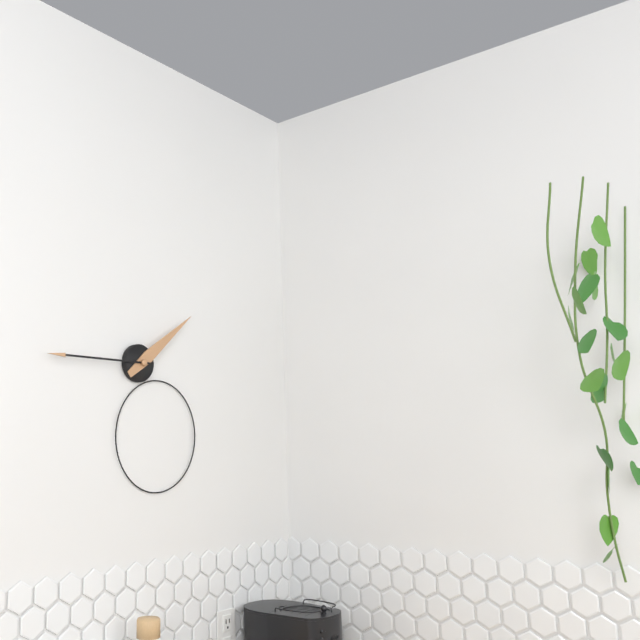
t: 1:45
